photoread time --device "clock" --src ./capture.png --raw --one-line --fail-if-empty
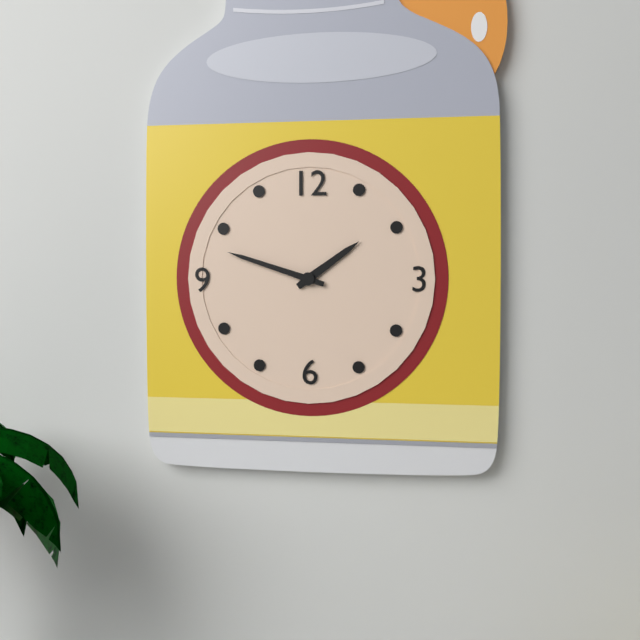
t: 1:48
